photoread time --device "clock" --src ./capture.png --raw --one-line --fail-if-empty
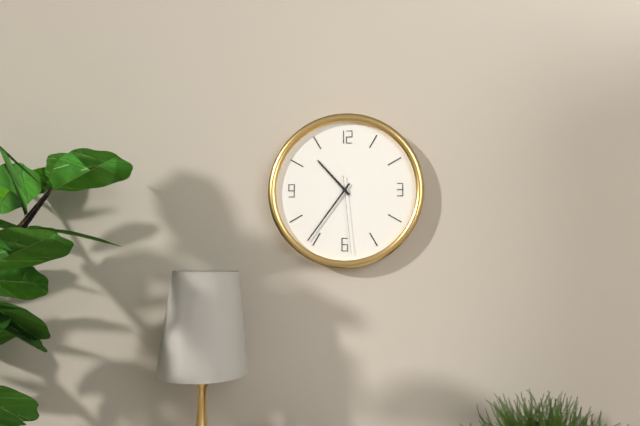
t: 10:36:29
